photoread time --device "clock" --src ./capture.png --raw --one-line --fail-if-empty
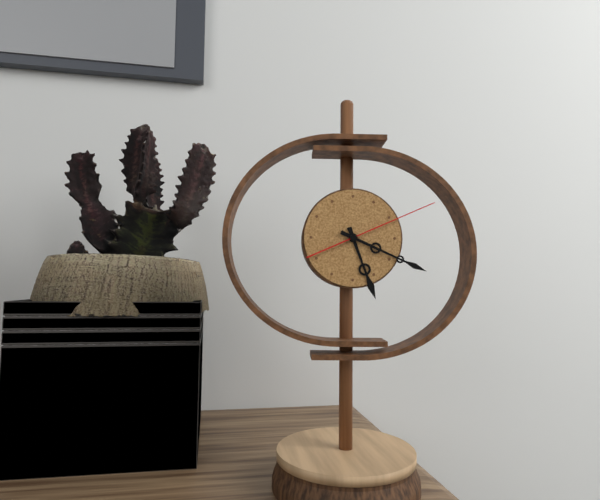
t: 5:19:11
